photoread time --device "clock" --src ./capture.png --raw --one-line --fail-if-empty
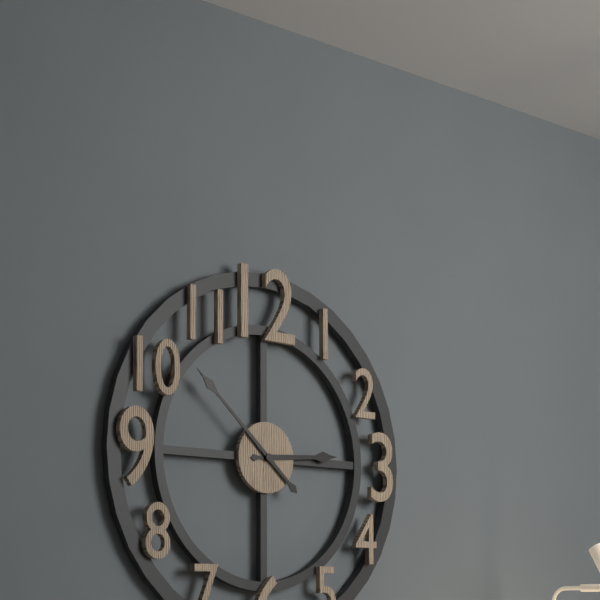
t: 2:52
